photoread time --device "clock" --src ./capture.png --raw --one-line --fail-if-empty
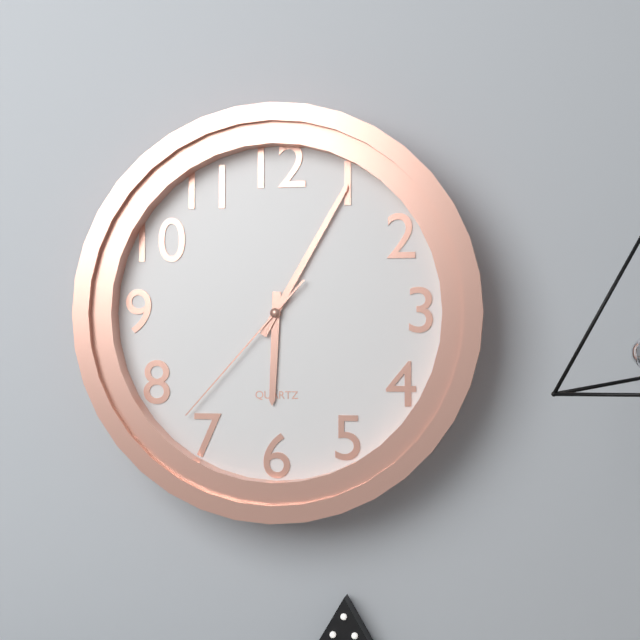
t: 6:05:37
